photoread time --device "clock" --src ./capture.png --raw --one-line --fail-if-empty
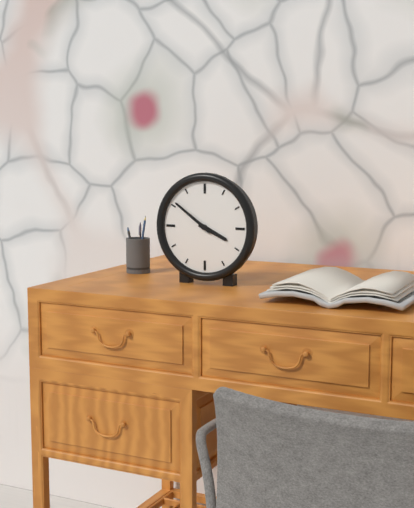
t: 3:51
